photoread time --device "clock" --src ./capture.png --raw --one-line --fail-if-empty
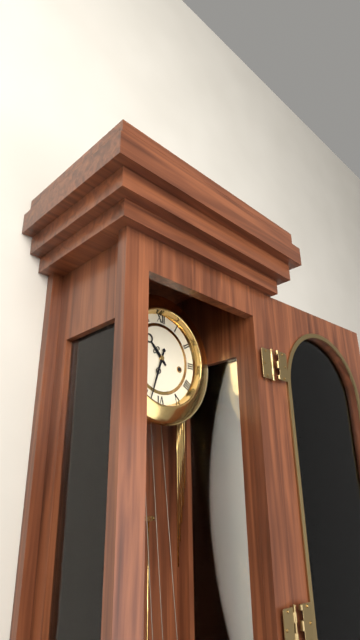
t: 10:33
